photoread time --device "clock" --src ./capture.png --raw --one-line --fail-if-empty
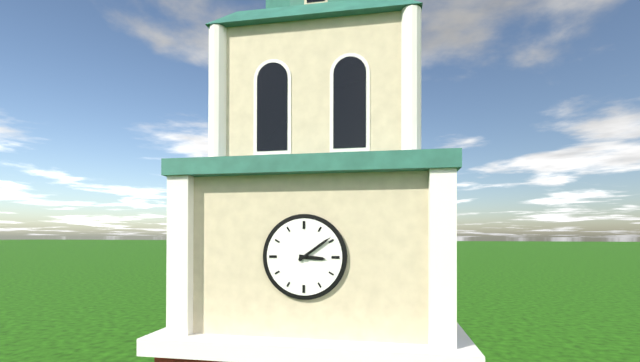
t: 3:09
